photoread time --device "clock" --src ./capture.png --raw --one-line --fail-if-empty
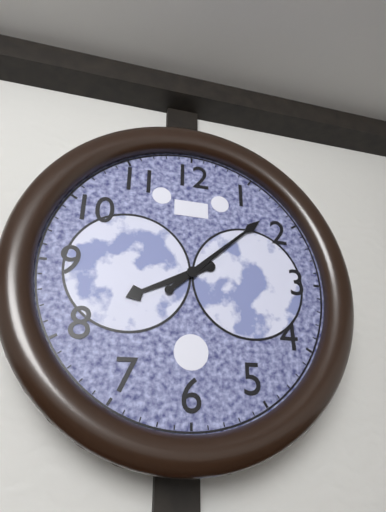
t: 8:08
